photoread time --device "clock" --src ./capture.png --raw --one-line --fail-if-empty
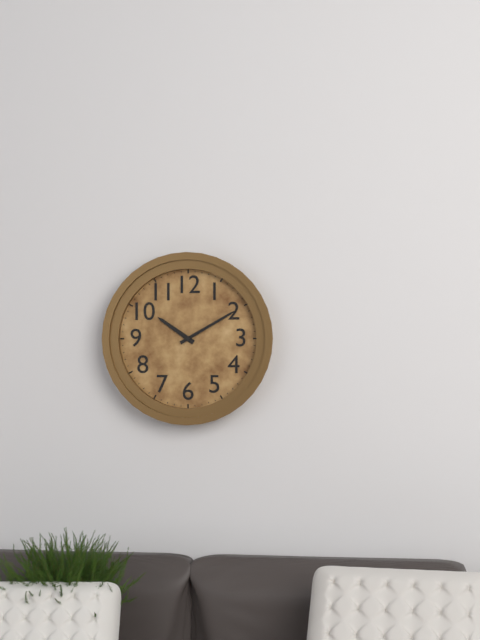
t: 10:10
